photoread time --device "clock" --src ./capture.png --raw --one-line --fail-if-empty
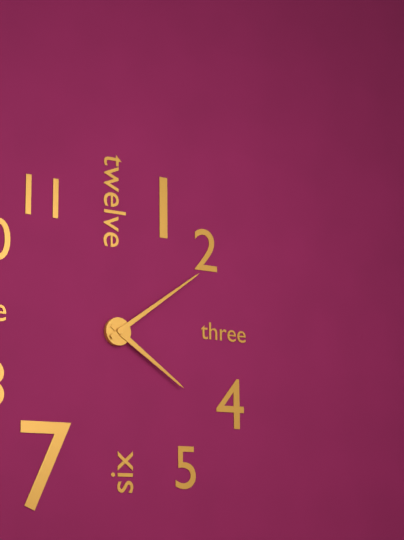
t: 4:09
